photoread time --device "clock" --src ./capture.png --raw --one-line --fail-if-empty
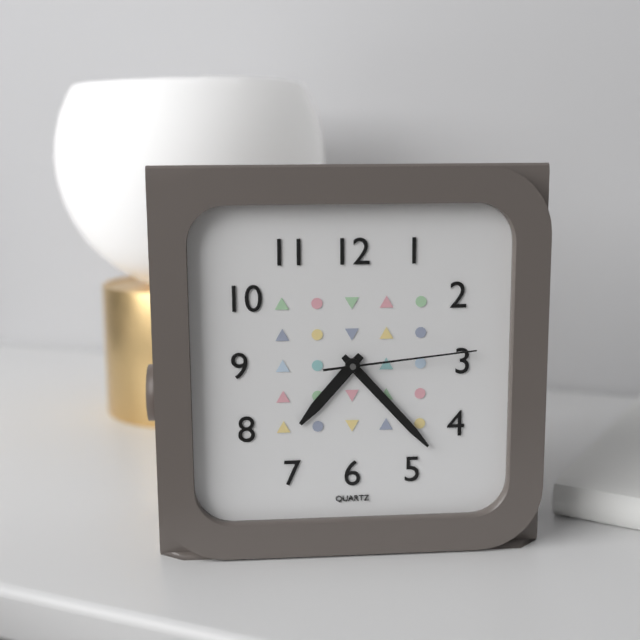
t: 7:23:14
